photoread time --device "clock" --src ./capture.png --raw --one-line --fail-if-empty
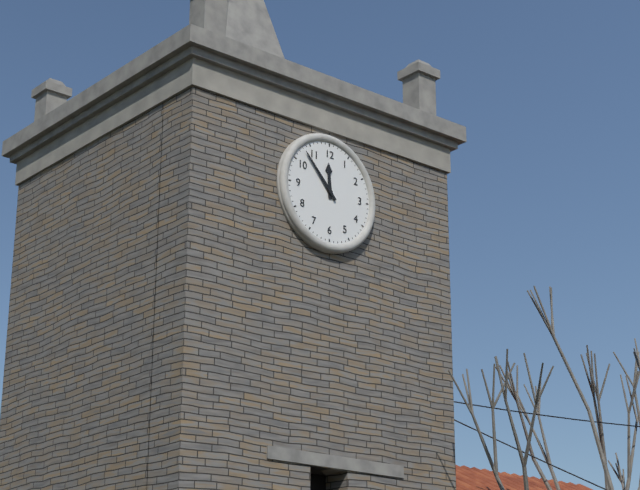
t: 11:53
